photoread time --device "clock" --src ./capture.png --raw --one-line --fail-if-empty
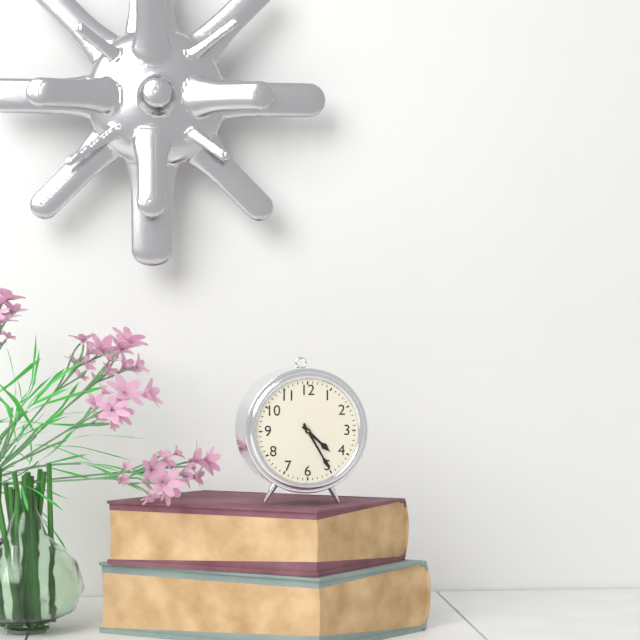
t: 4:25
